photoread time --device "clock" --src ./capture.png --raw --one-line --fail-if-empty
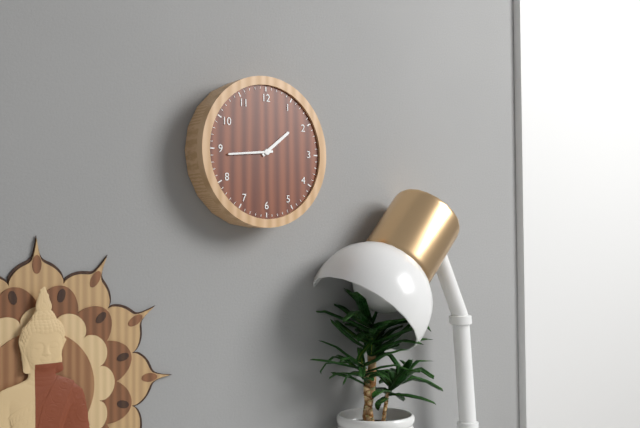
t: 1:44
